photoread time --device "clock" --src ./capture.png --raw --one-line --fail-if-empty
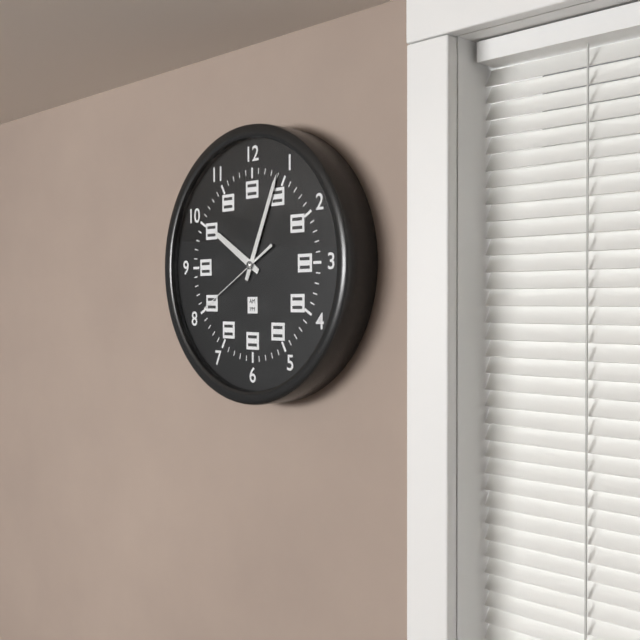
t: 10:04:40
